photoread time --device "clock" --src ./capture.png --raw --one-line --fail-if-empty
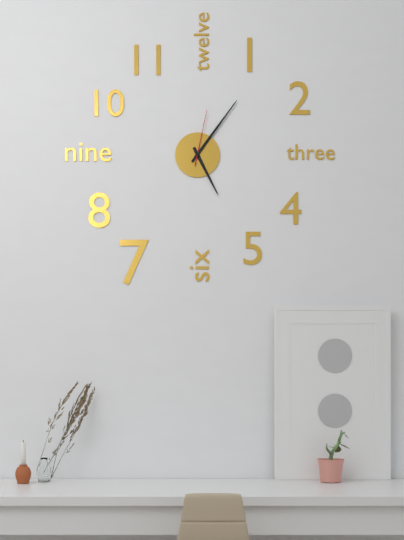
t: 5:06:02
